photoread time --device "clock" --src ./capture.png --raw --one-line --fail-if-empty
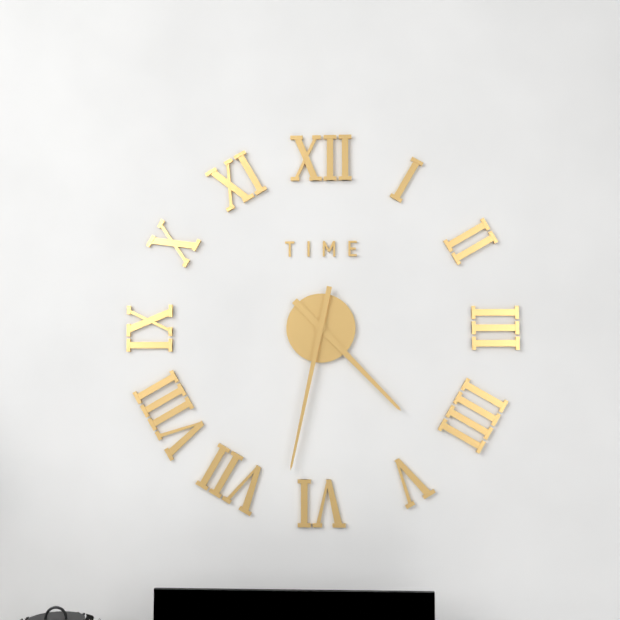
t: 4:32
